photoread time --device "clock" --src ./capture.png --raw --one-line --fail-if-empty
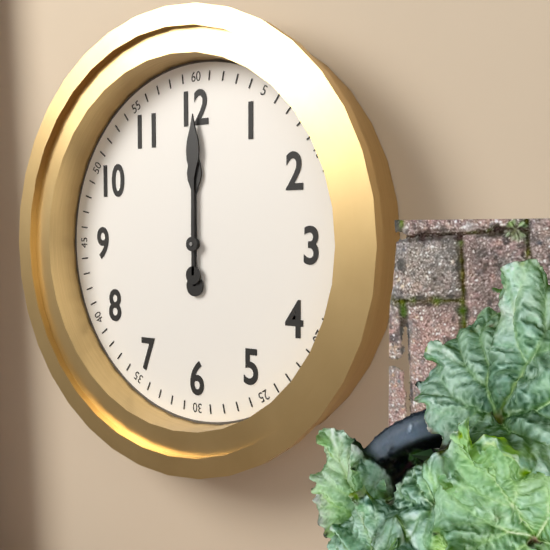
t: 12:00
